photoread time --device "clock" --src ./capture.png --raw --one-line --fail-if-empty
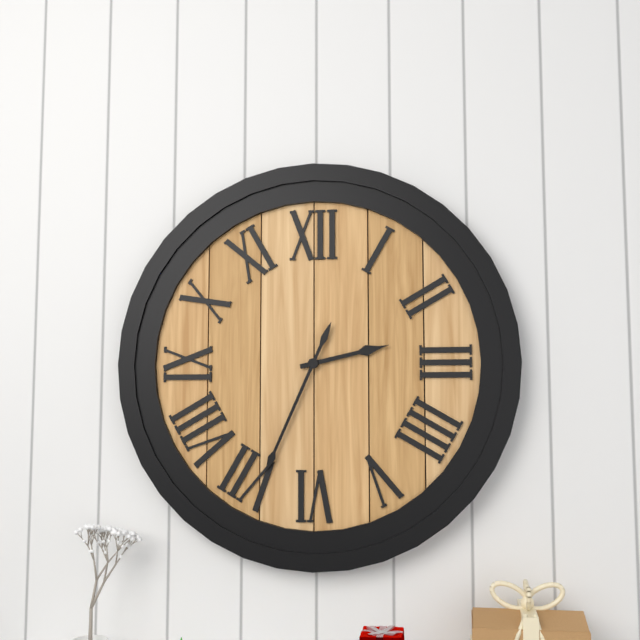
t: 2:34
